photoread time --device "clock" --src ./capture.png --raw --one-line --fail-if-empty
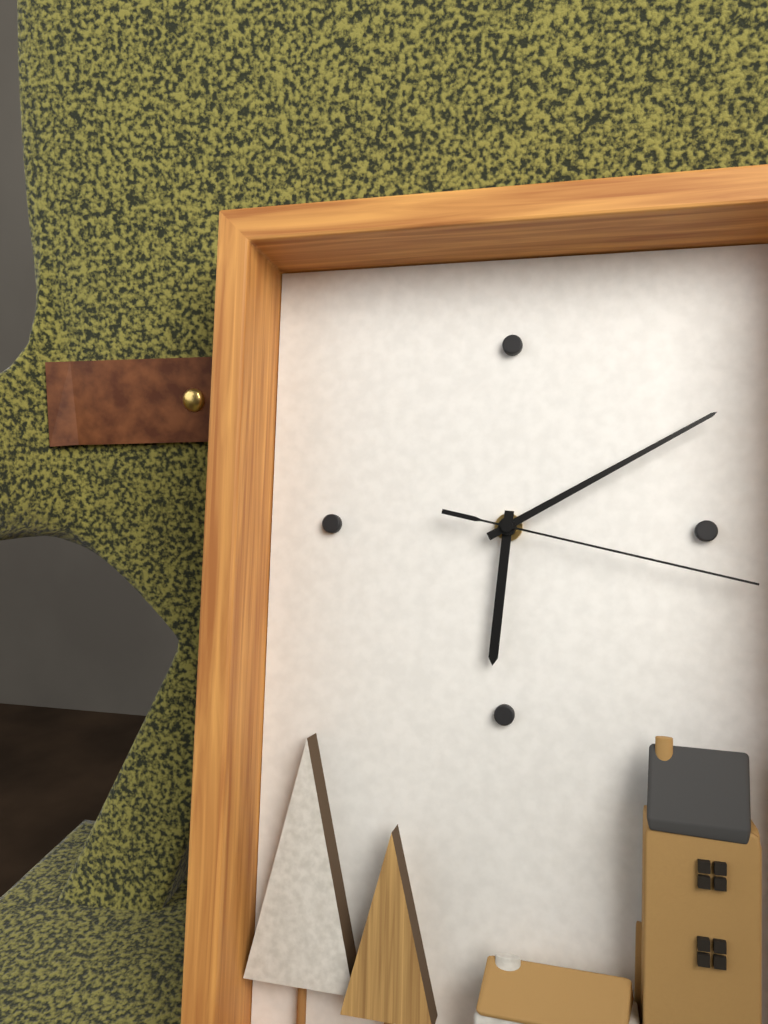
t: 6:10:17
